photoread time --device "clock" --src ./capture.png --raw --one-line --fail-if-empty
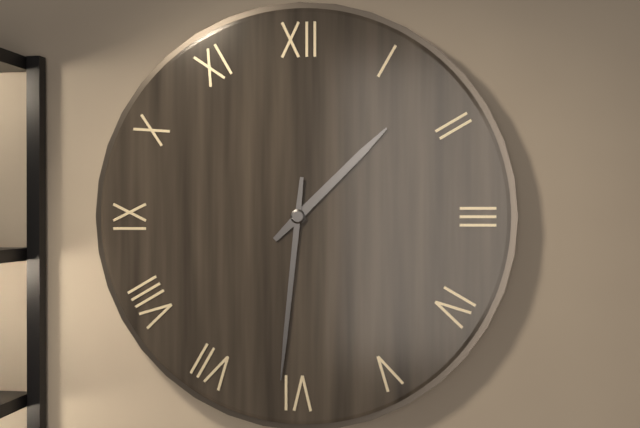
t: 1:31
